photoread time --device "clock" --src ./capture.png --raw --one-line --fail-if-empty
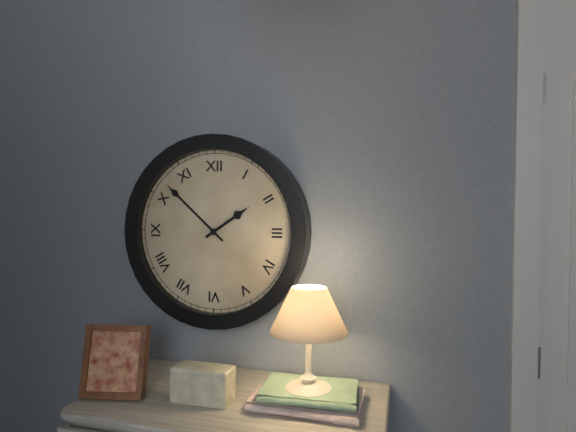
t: 1:52
